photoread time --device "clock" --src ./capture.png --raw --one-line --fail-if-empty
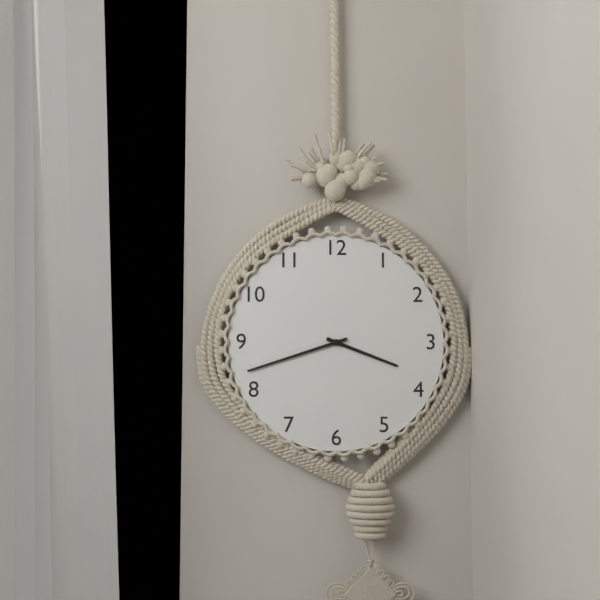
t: 3:42
